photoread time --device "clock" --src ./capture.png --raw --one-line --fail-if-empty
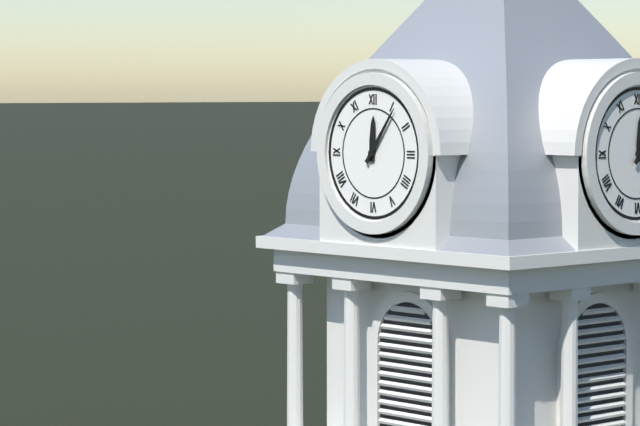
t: 12:06
